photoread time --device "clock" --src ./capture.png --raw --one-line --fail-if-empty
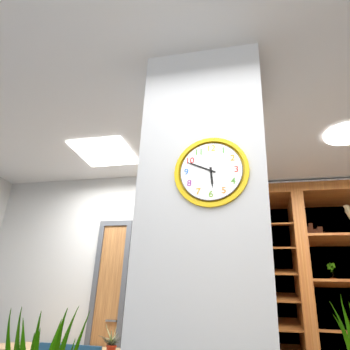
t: 5:49
